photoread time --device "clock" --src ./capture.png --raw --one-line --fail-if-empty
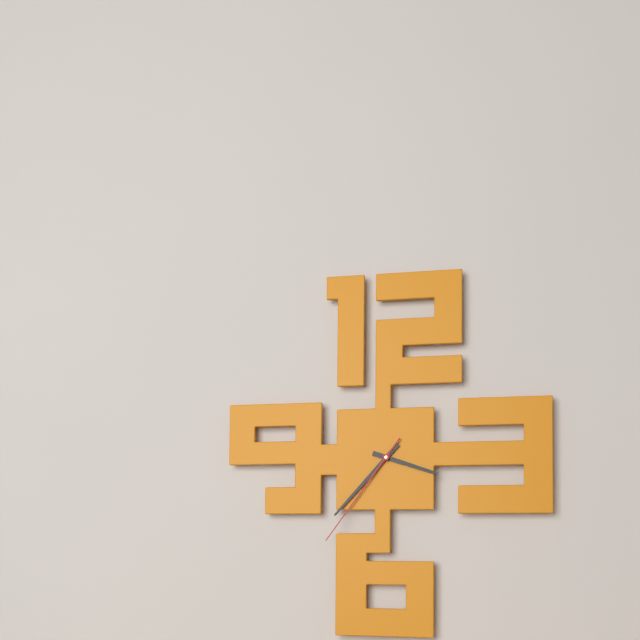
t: 3:37:36
